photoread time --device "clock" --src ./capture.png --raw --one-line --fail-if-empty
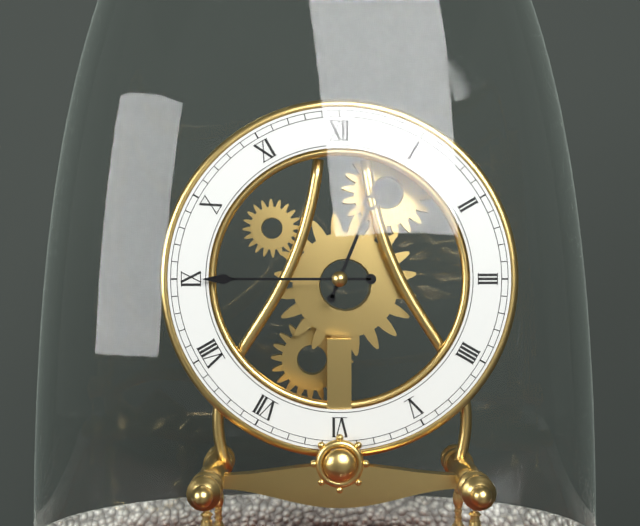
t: 12:45
